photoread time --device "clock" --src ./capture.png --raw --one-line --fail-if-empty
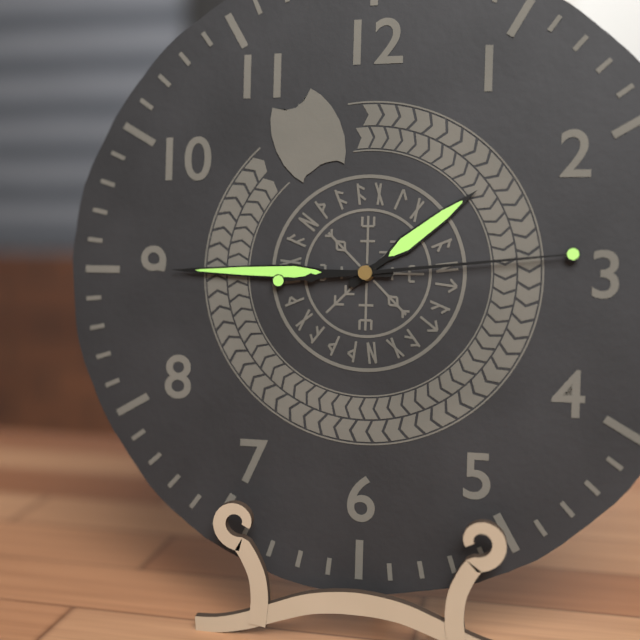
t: 1:45:14
